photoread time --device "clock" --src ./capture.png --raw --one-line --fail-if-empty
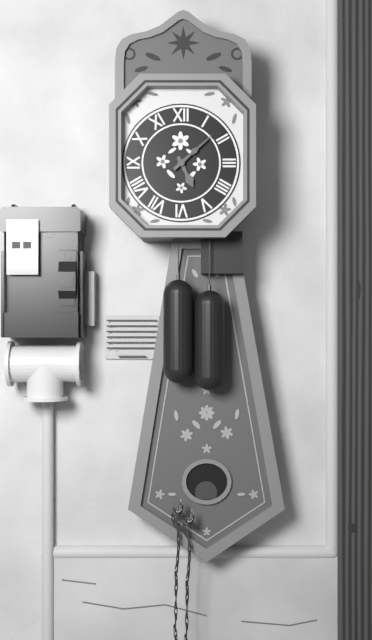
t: 5:08
